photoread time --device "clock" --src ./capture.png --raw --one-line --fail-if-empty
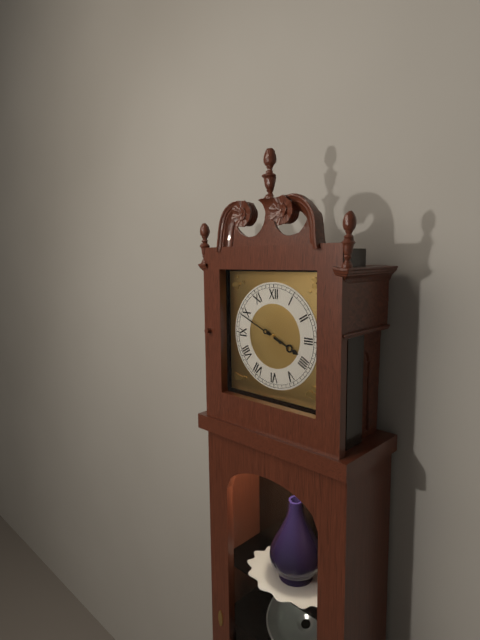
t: 3:49
